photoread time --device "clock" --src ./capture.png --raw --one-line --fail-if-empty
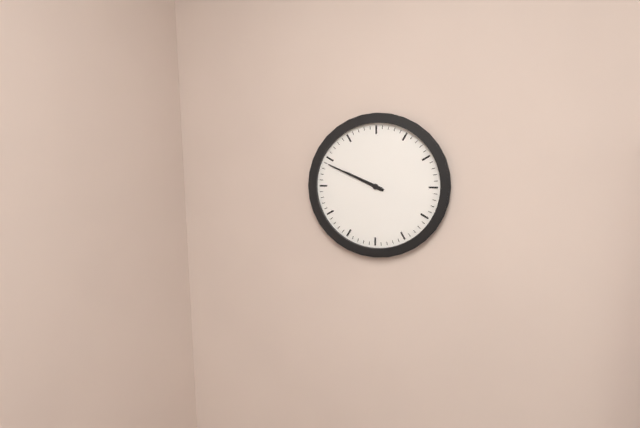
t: 9:49
